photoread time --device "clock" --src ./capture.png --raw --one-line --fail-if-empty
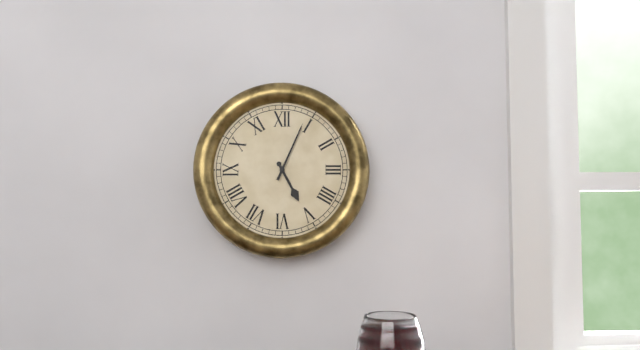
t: 5:04
